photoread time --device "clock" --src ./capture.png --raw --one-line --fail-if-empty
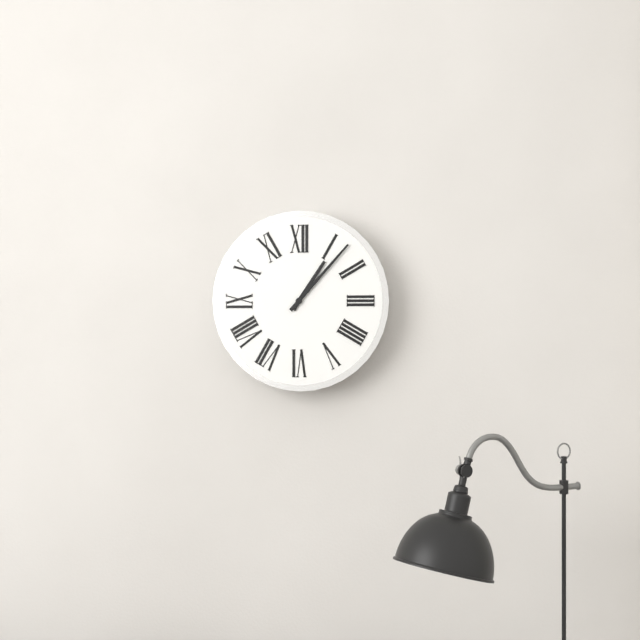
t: 1:07
